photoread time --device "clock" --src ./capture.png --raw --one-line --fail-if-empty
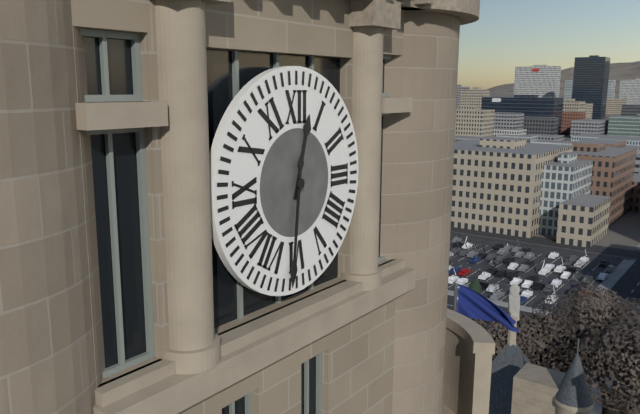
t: 12:31
